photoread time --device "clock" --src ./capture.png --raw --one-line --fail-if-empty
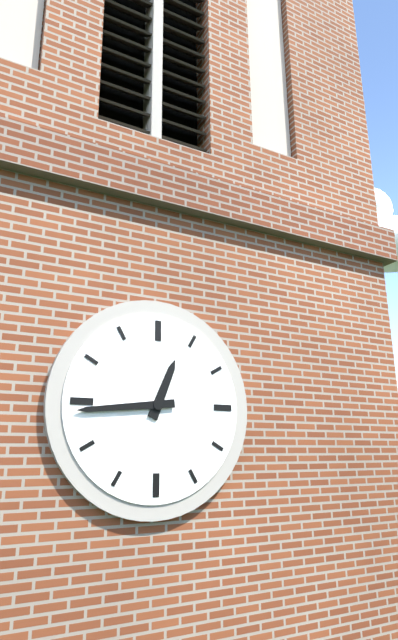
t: 12:44
